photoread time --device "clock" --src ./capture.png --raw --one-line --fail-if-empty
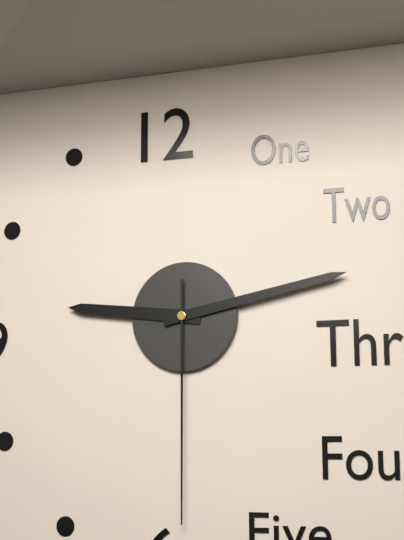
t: 9:13:30
